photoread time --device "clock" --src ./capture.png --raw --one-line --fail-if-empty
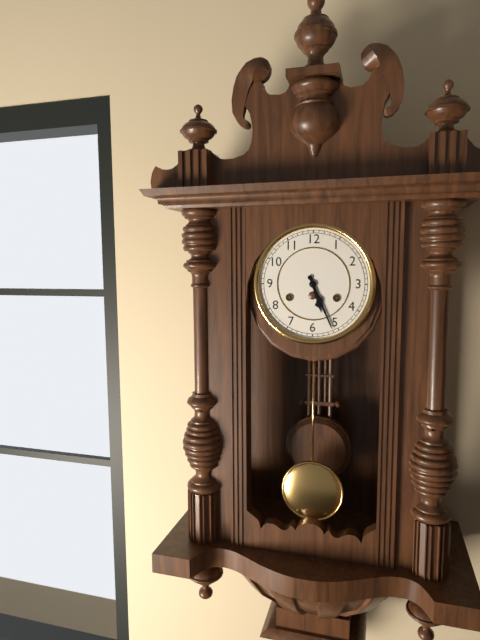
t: 5:26
